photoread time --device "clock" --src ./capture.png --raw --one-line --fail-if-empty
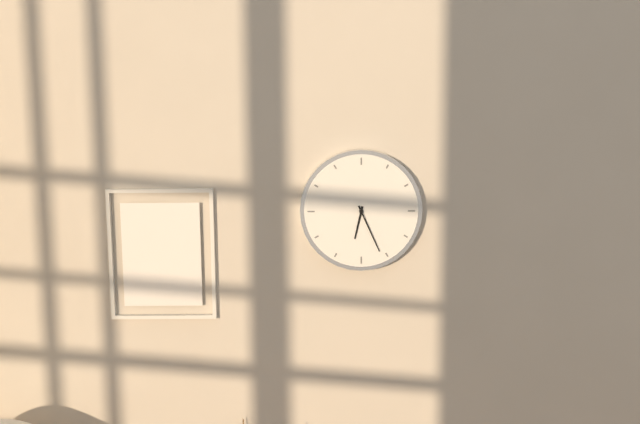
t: 6:26
